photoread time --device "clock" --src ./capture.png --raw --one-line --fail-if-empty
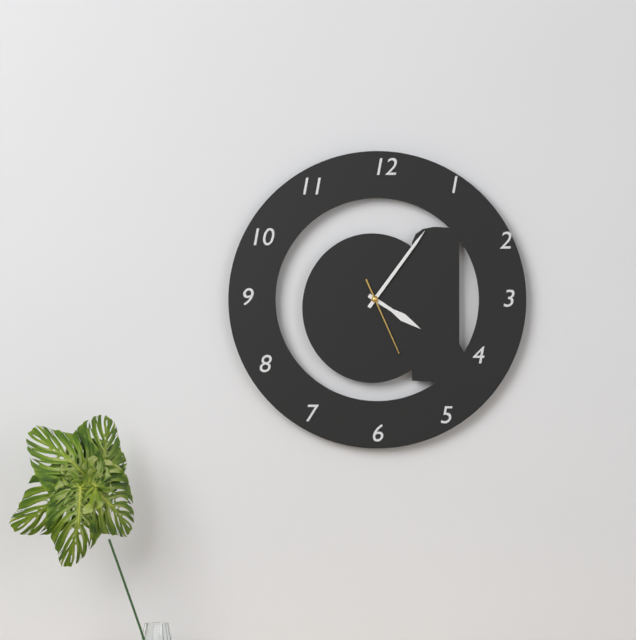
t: 4:06:26
